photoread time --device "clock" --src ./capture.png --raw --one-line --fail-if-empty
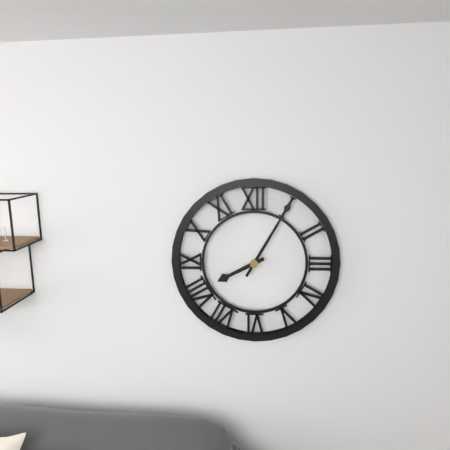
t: 8:05
